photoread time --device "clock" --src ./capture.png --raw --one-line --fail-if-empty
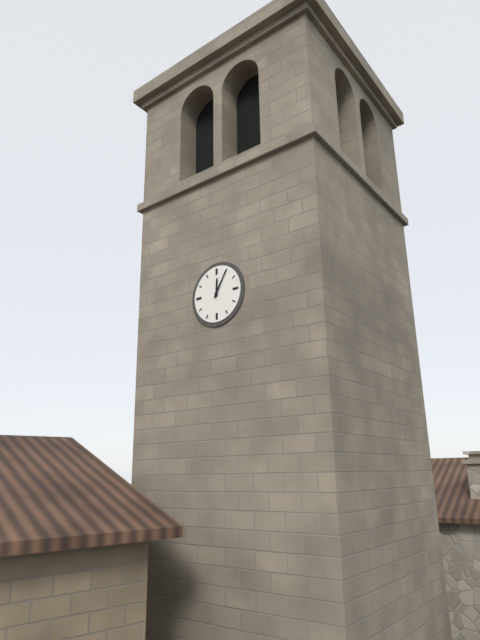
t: 12:05
